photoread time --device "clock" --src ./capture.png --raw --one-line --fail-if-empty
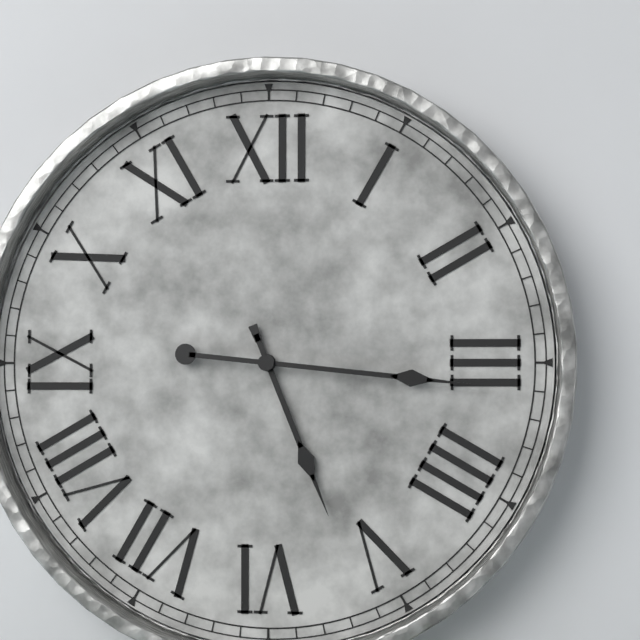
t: 5:16
